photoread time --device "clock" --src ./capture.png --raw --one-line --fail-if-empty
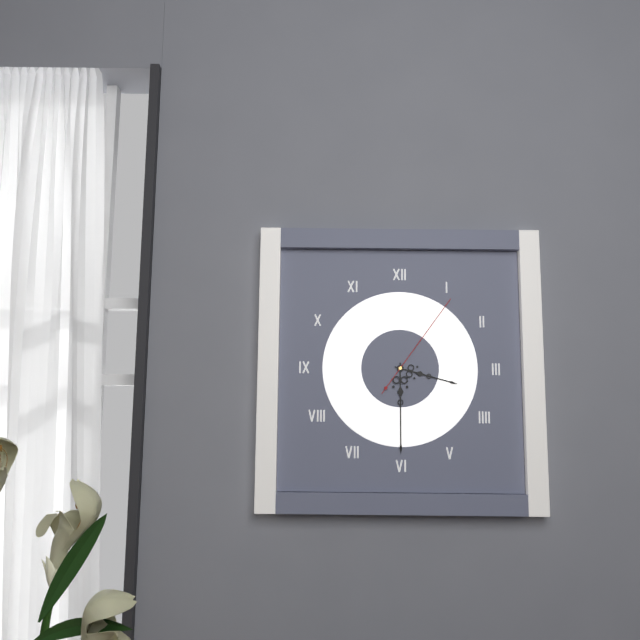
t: 3:30:06
